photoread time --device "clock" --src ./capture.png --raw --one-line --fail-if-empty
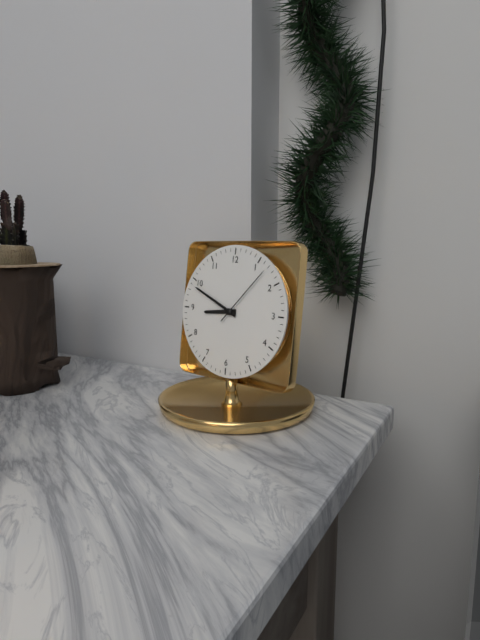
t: 8:49:07
